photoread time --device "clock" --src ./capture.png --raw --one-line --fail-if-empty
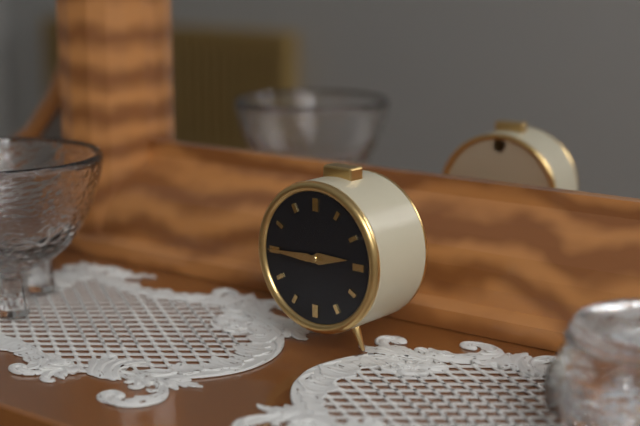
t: 2:45
